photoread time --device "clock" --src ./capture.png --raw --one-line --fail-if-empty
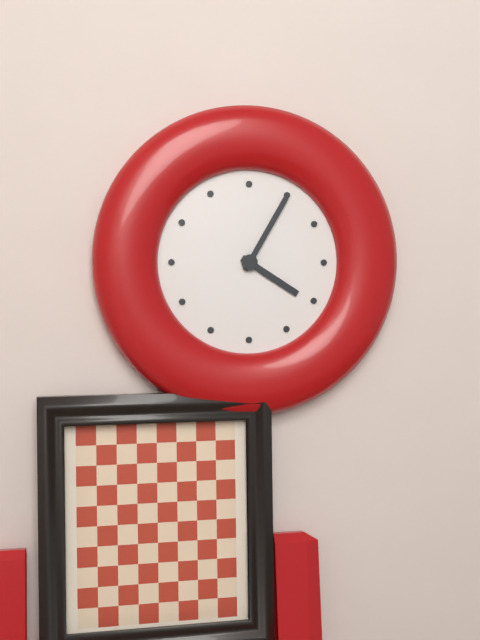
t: 4:05
